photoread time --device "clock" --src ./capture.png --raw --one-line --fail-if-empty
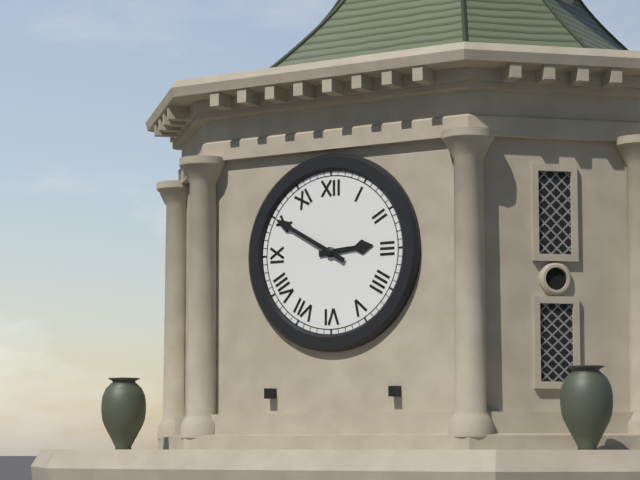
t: 2:50
